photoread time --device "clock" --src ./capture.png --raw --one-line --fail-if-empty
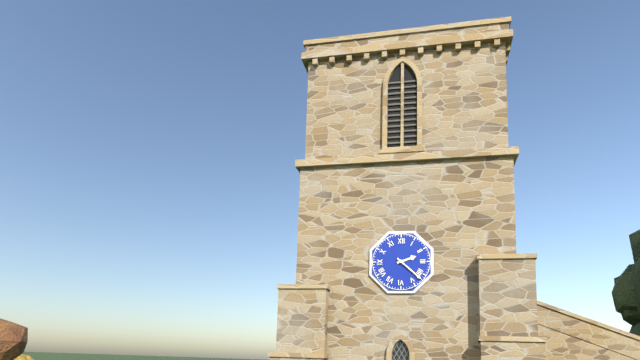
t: 2:22
